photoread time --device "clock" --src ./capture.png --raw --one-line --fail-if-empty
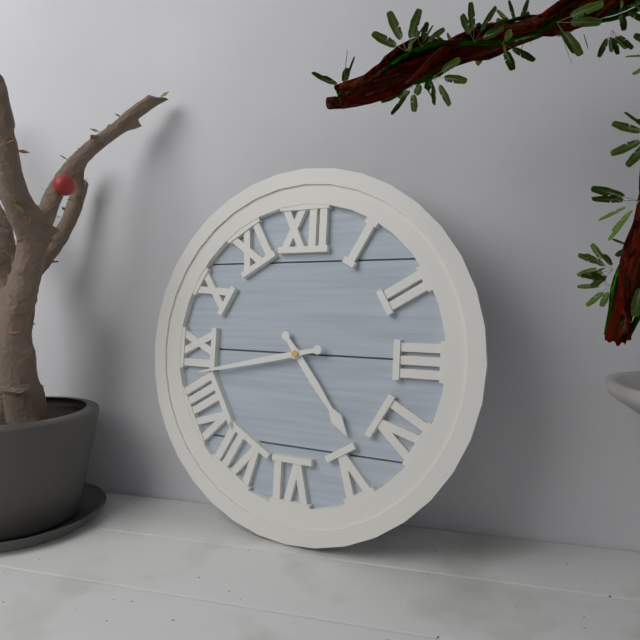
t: 4:43
